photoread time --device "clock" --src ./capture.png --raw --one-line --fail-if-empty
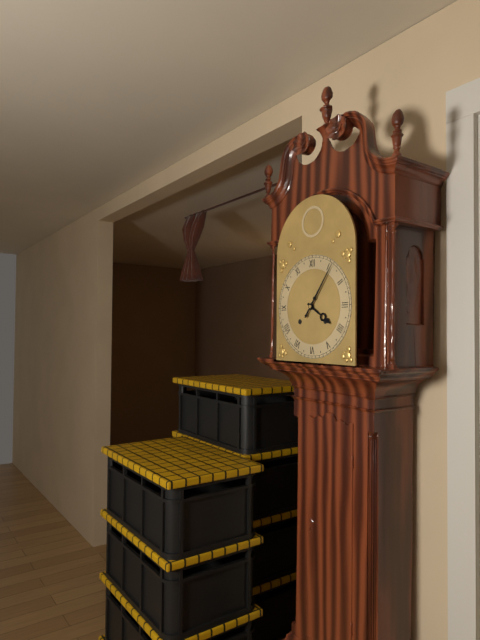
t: 4:06
